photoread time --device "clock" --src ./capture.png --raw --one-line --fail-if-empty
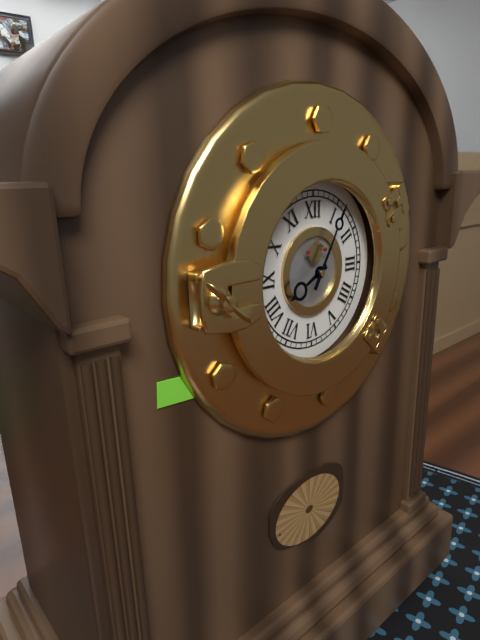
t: 8:05
